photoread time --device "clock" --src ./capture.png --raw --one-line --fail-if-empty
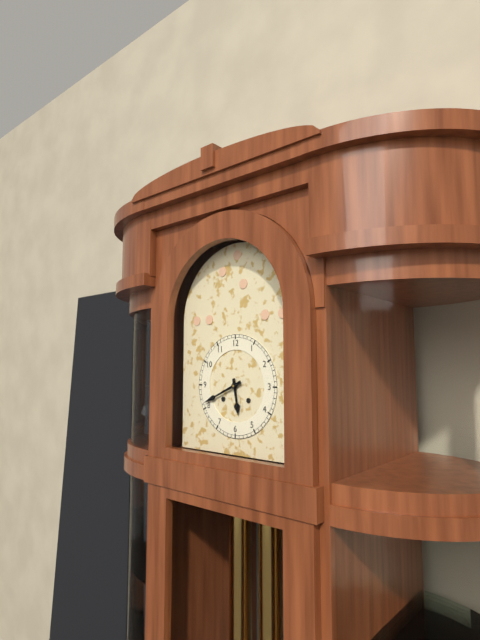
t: 5:41
